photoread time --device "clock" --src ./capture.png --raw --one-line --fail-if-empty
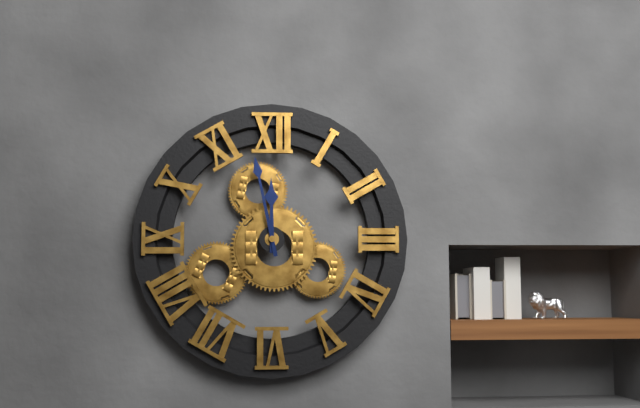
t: 11:58
